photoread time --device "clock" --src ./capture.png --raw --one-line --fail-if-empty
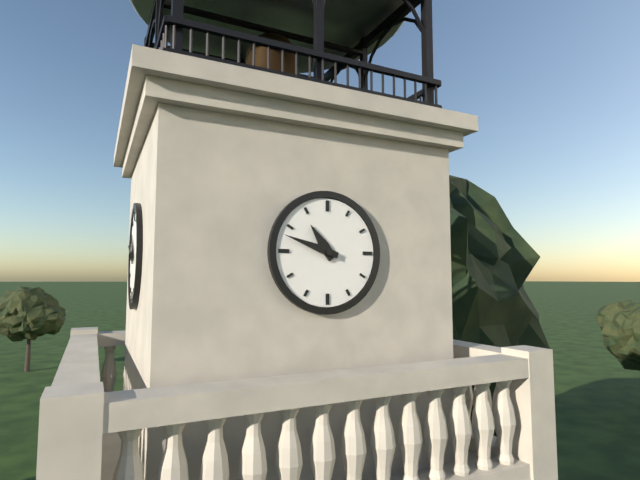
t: 10:48
